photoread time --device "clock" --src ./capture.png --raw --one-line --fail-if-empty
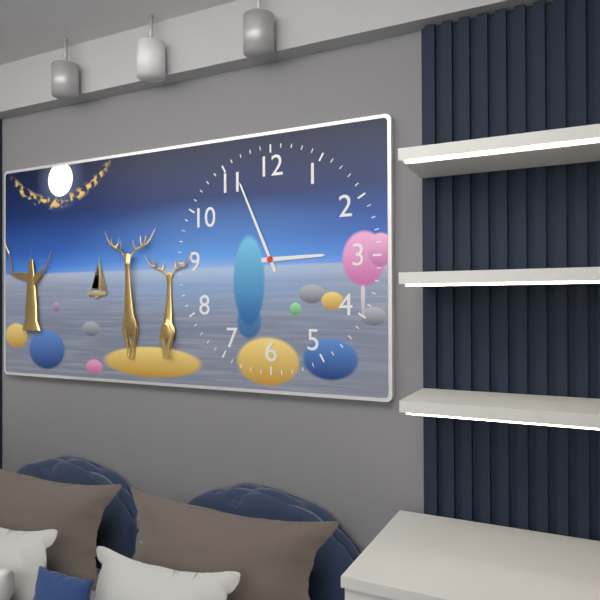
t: 2:56
